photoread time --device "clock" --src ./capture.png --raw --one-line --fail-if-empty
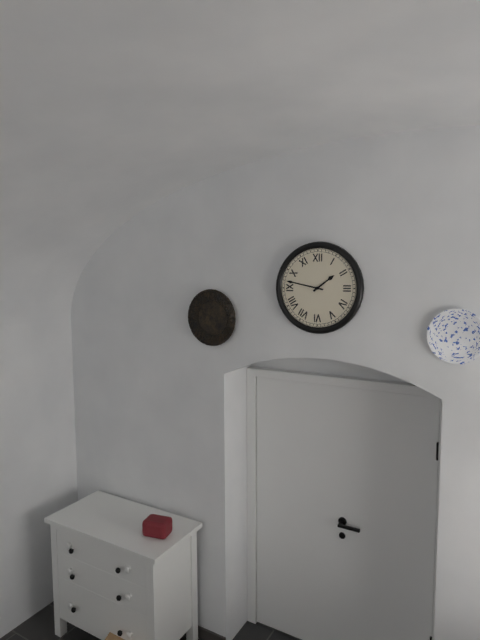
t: 1:47
